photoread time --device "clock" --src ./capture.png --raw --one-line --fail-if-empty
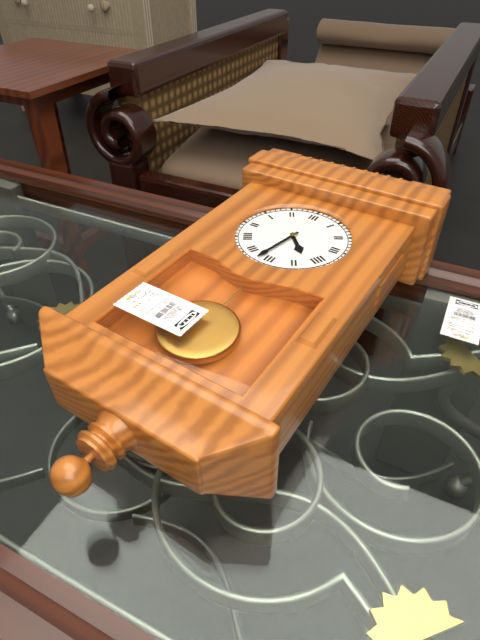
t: 4:32
